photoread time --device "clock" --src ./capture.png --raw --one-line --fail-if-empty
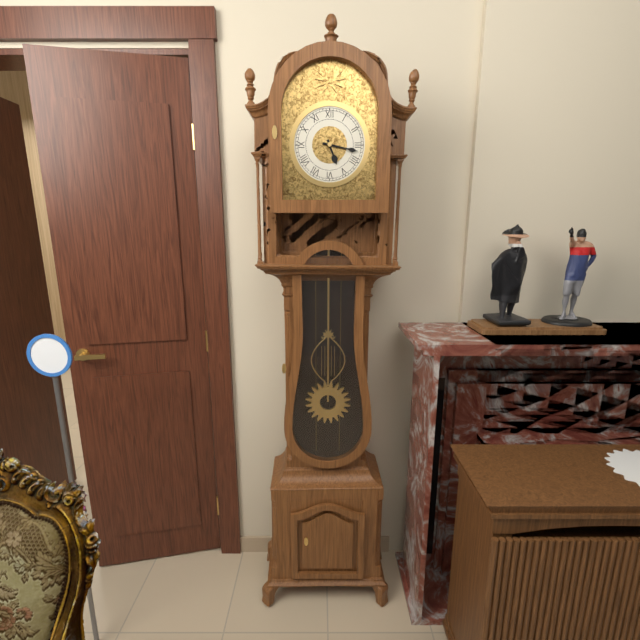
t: 5:17
